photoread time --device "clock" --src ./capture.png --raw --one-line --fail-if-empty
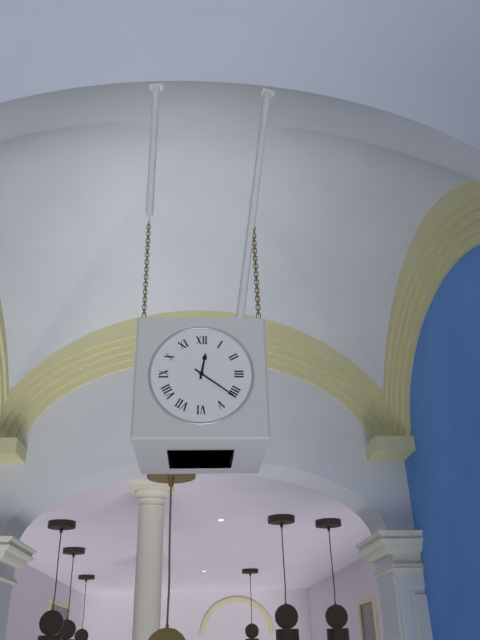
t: 12:21
